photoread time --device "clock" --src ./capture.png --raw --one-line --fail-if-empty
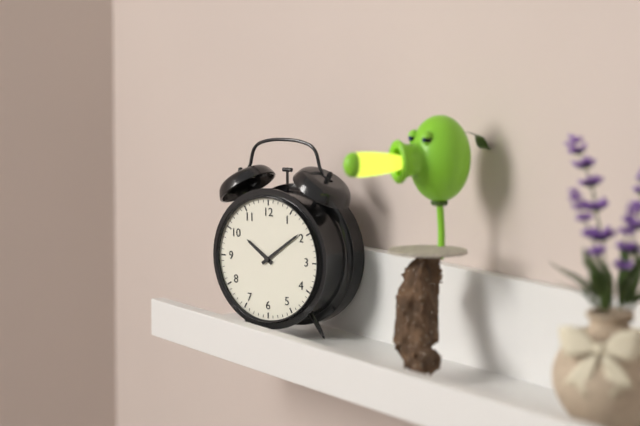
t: 10:09
